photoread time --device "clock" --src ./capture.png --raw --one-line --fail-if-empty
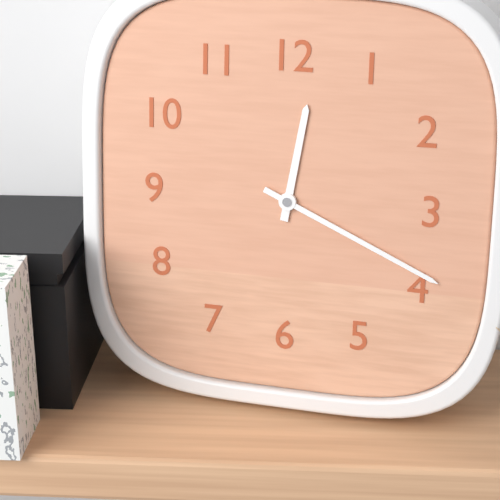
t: 12:19
